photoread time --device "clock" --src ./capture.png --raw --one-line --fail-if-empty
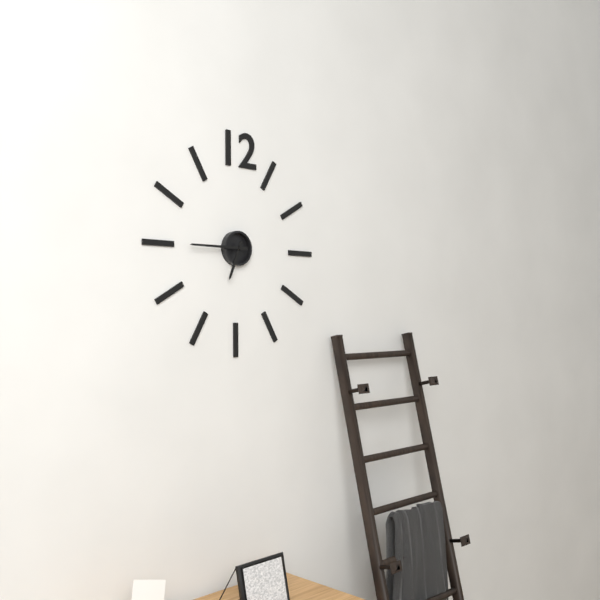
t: 6:45
